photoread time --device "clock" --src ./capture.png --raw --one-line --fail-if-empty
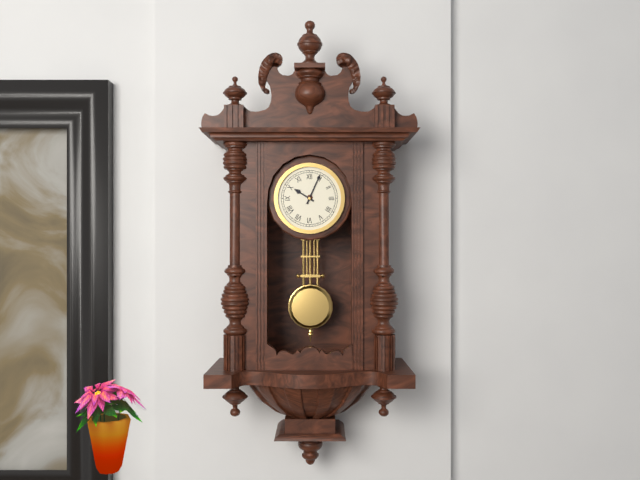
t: 10:04
